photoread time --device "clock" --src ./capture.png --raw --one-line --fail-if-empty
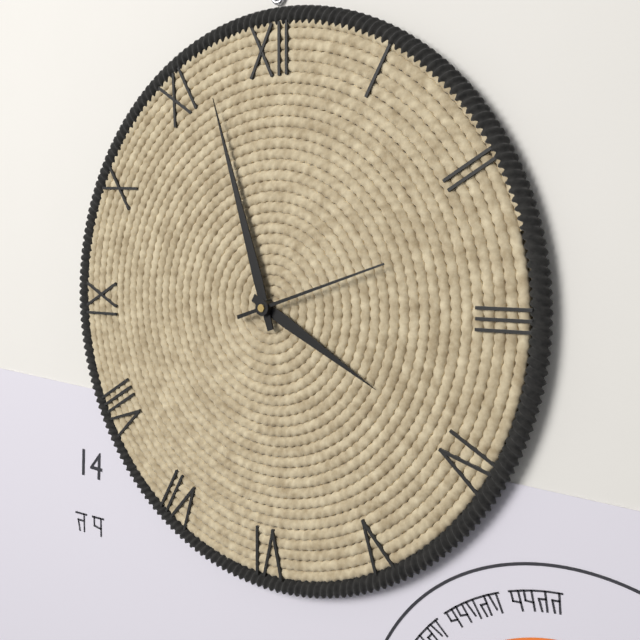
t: 3:57:12
